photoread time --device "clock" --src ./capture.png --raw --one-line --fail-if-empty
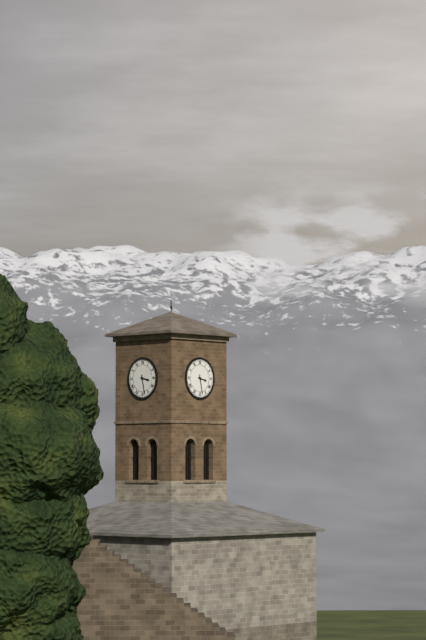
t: 3:28
